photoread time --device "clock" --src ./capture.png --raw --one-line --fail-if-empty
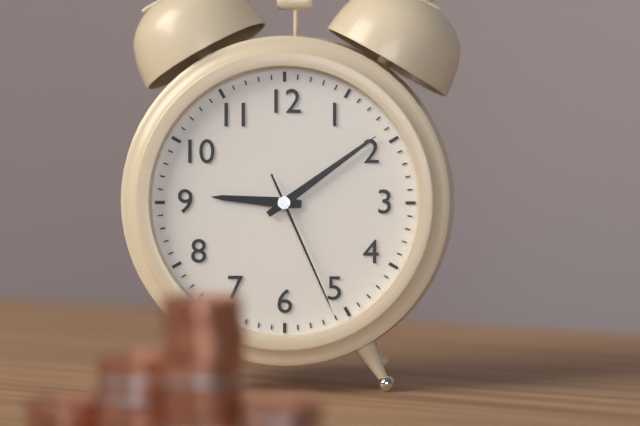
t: 9:09:26
